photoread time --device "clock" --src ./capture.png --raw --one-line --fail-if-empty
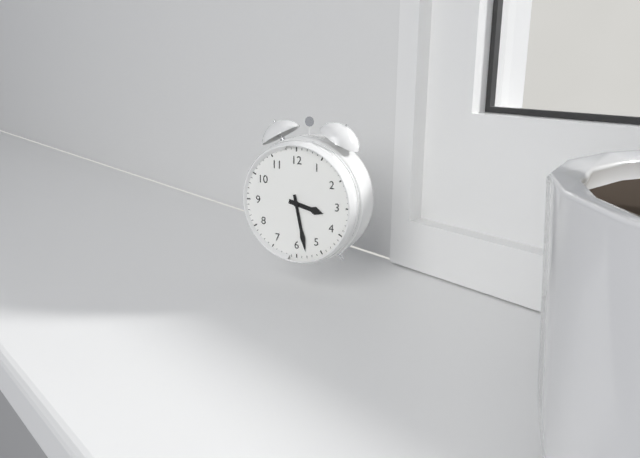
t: 3:28
